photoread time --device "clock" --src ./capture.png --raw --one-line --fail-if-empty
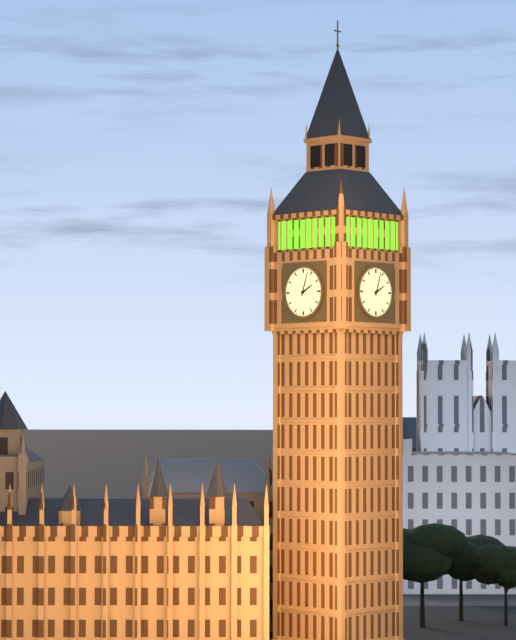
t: 2:03
